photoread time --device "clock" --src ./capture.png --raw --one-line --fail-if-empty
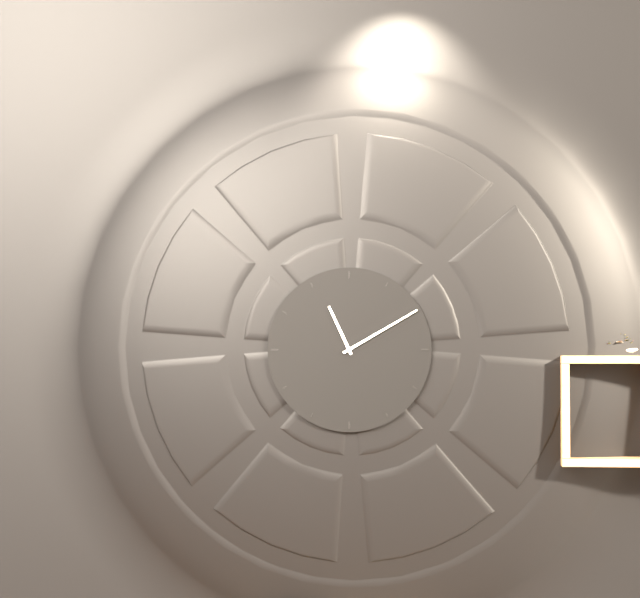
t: 11:10
